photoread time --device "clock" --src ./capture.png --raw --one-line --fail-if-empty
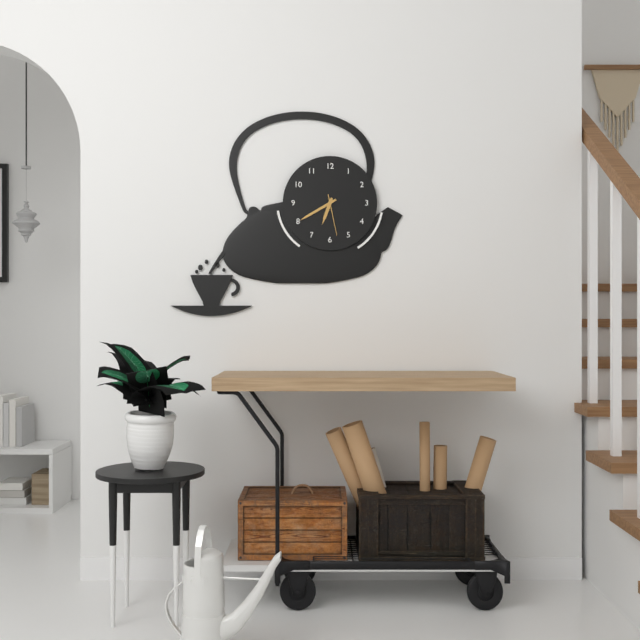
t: 6:40
